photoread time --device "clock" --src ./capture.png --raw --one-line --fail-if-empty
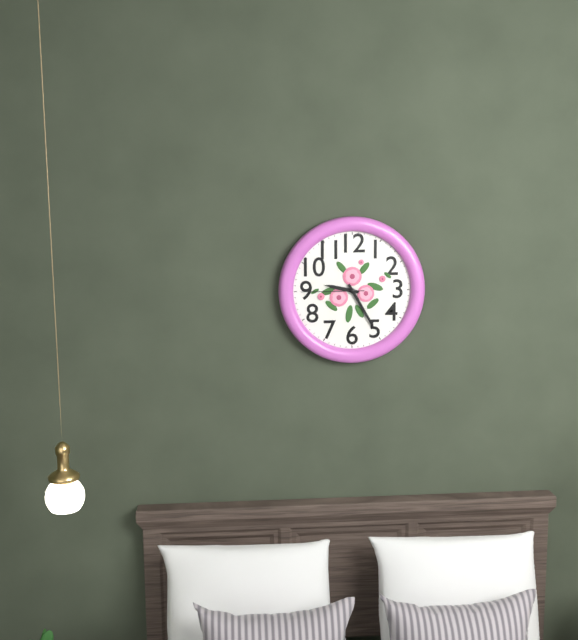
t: 9:25:45
